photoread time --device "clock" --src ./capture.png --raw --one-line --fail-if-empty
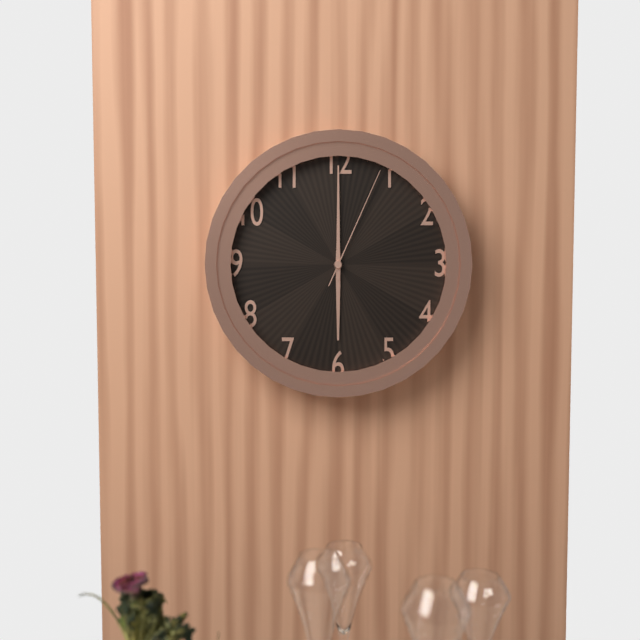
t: 6:00:04
